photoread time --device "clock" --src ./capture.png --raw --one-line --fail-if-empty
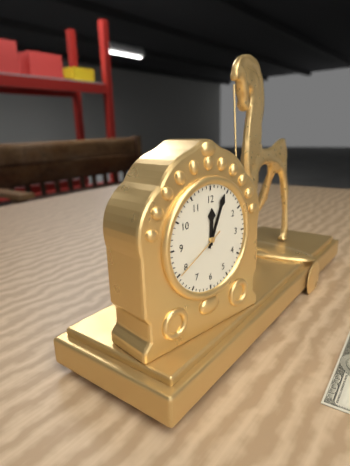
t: 12:04:40
